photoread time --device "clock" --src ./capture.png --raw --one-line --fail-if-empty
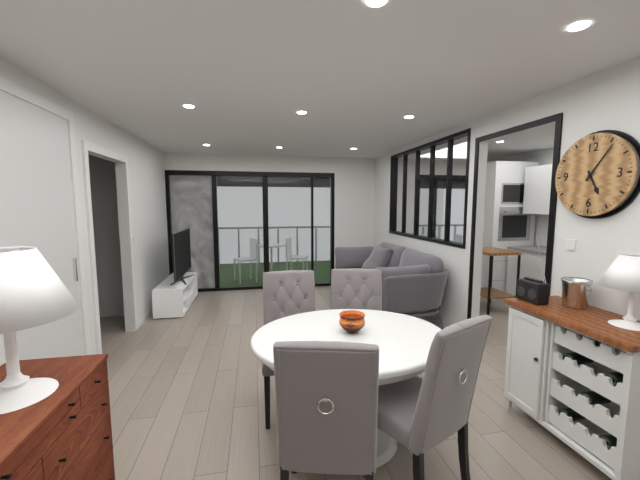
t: 5:06
